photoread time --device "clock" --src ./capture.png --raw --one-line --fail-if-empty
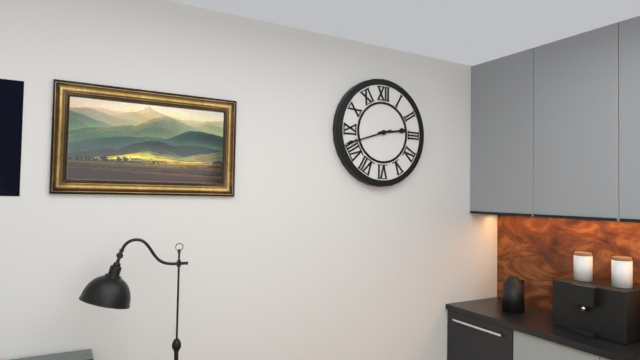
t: 2:42
